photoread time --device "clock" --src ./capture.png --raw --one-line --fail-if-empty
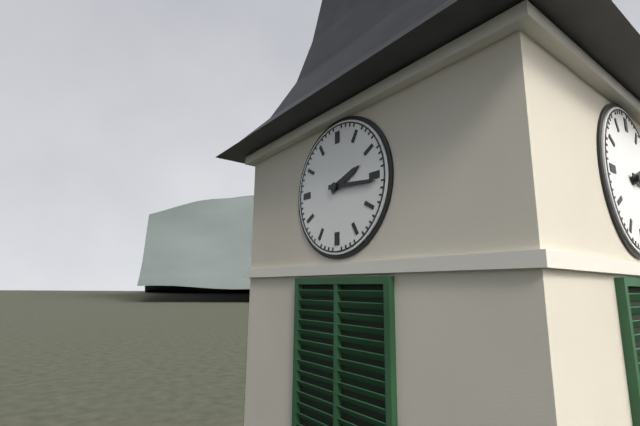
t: 2:16
